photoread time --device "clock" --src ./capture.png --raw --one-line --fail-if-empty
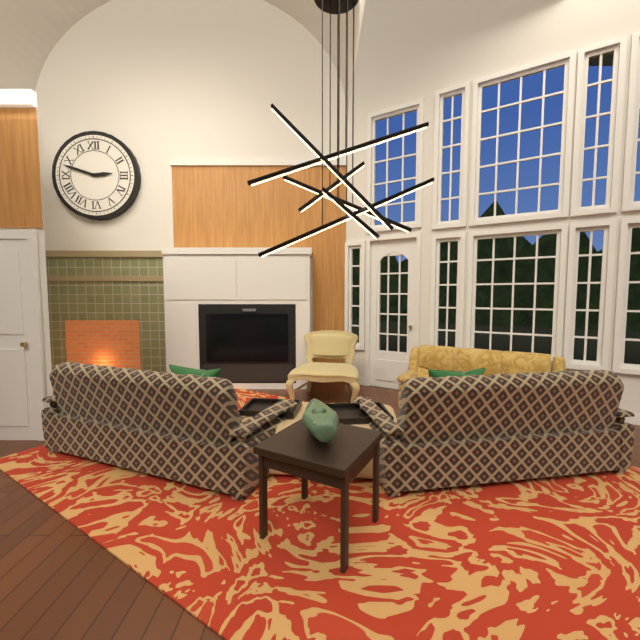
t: 2:48
